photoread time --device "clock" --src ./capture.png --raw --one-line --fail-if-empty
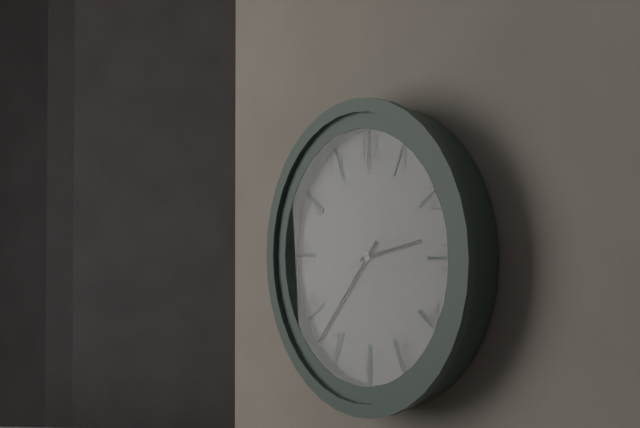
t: 2:37
